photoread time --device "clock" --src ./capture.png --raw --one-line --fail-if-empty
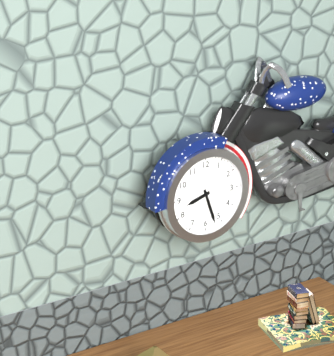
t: 8:27
